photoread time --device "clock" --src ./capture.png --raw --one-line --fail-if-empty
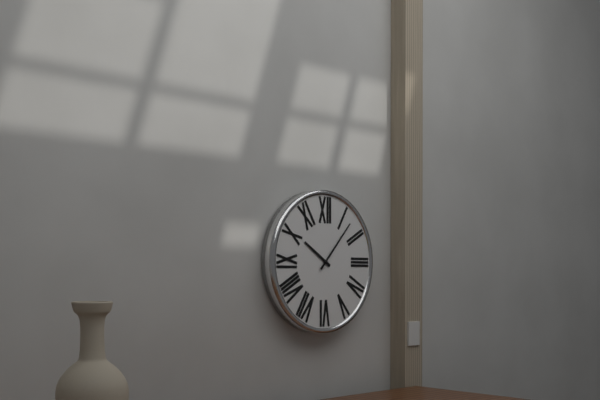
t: 10:07
